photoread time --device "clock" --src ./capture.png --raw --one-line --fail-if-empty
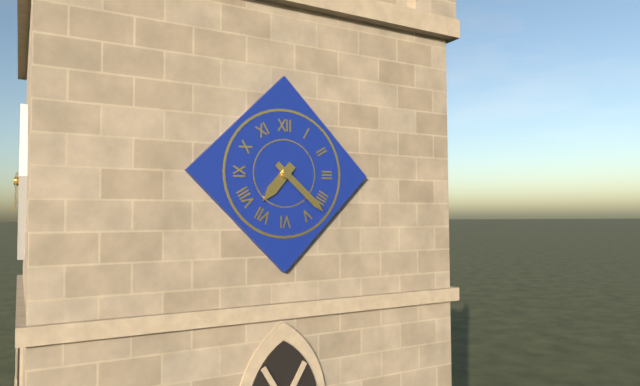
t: 7:22
